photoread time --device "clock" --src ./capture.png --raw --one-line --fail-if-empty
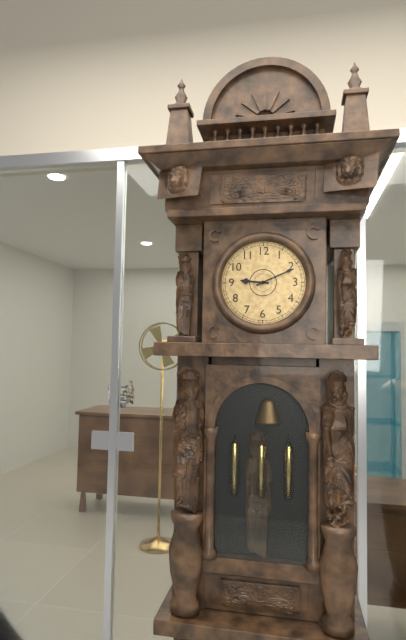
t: 9:11
